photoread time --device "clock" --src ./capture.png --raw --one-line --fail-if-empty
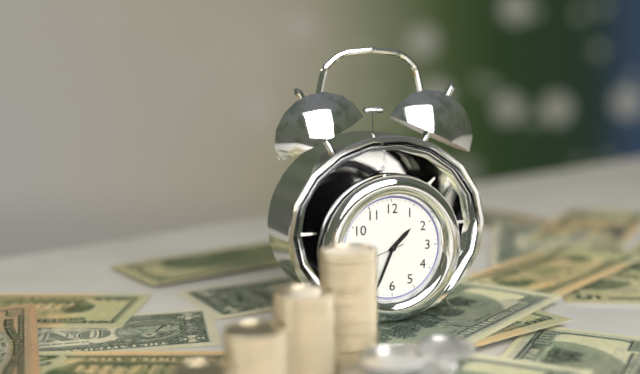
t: 1:34
